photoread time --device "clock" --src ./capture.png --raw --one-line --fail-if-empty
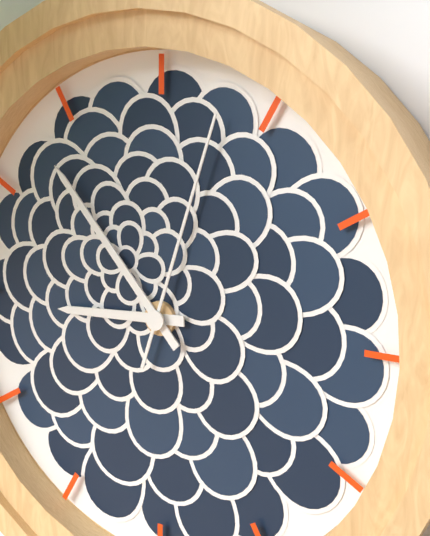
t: 8:53:03
